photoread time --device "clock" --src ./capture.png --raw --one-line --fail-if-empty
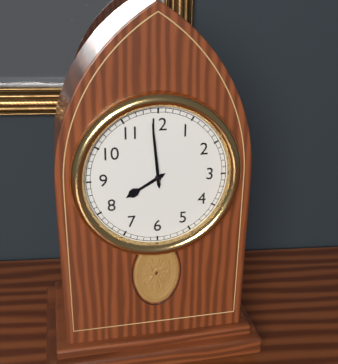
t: 7:59
